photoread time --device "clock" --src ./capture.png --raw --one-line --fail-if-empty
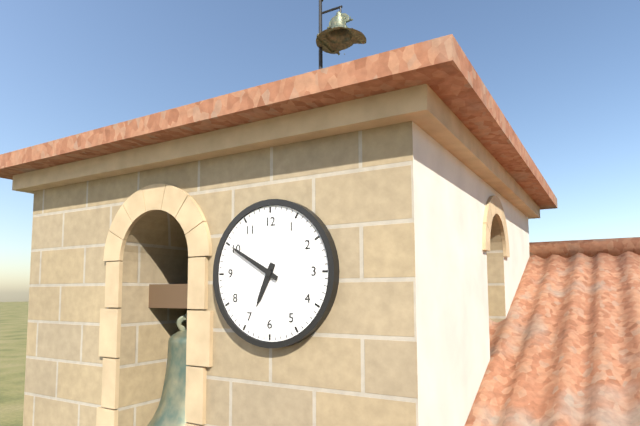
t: 6:50
